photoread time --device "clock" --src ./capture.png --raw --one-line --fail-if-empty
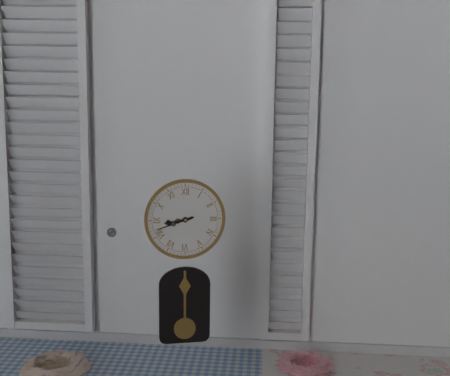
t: 8:42
